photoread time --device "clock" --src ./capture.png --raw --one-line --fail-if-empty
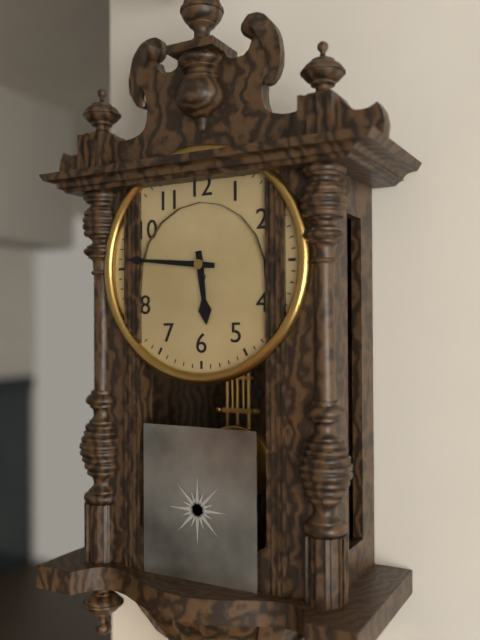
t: 5:46
